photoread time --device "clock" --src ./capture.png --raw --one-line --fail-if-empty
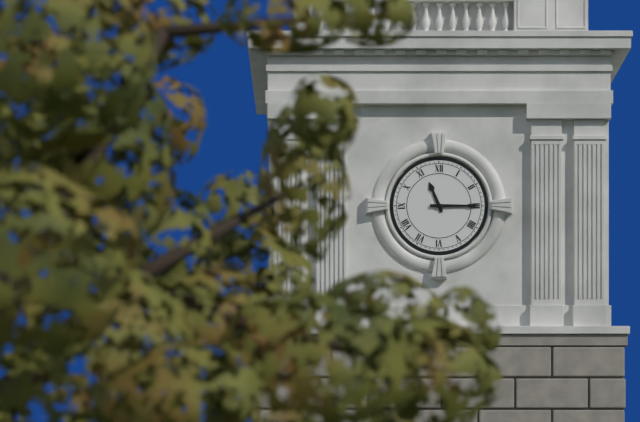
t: 11:15
